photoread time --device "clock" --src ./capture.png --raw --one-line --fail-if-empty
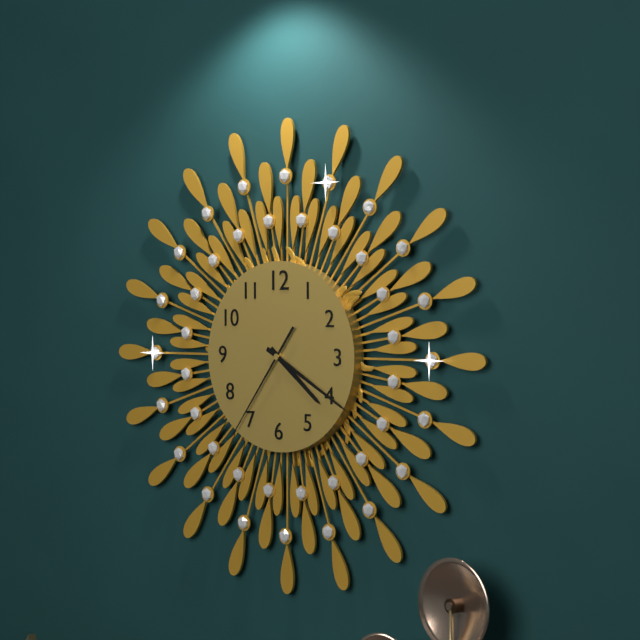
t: 4:20:36
